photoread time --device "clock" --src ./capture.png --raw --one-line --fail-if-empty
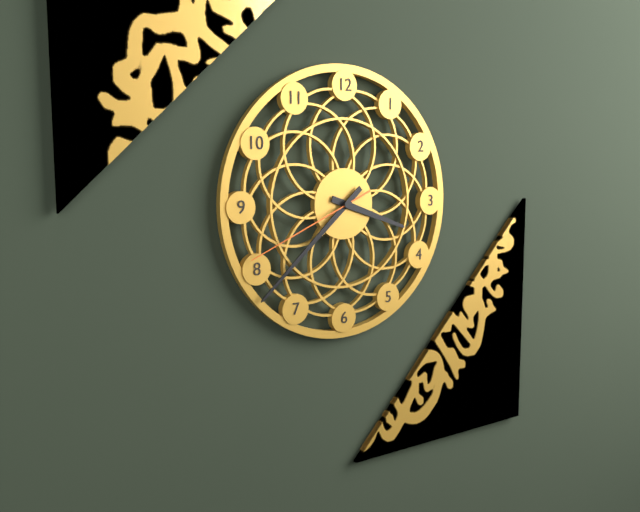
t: 3:38:41
